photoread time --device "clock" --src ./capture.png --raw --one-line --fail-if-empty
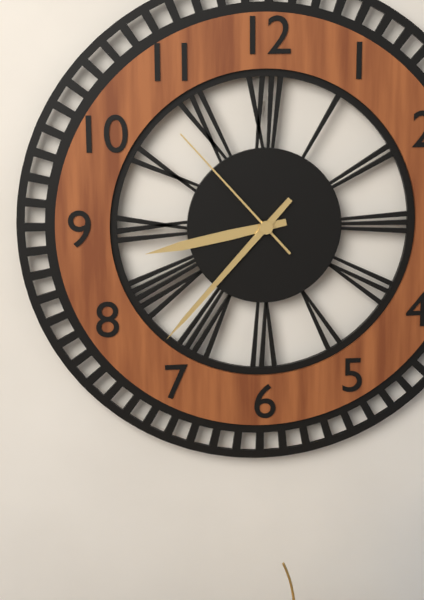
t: 8:37:53
